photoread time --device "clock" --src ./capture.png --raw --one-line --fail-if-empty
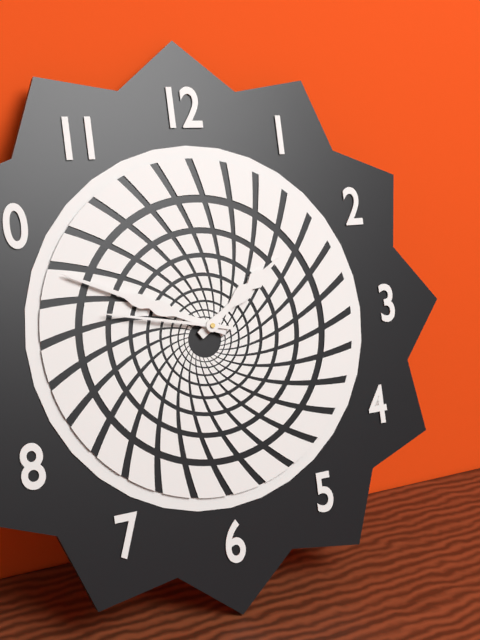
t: 1:49:47
